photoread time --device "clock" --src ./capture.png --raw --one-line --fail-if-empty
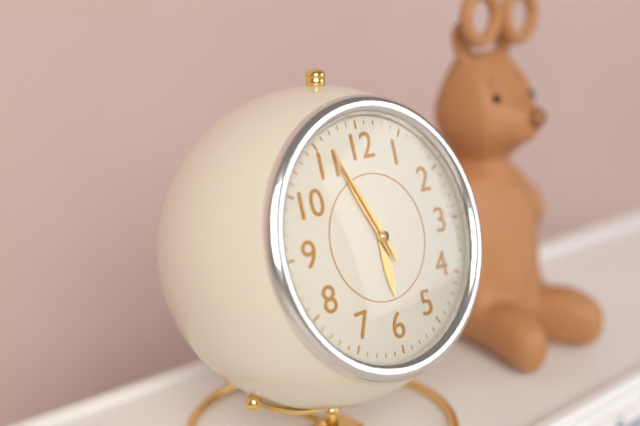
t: 5:56:56
